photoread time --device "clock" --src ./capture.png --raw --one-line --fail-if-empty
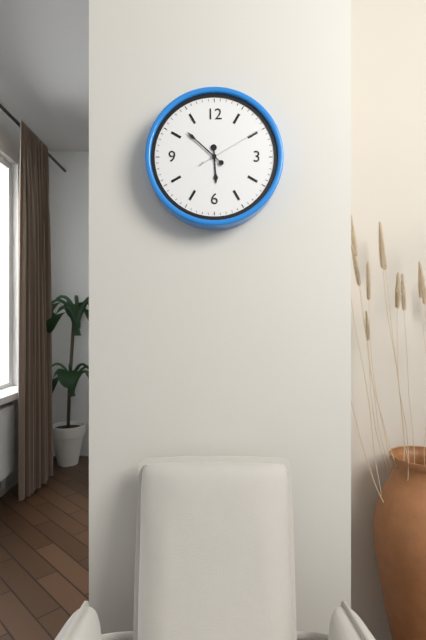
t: 5:52:10
